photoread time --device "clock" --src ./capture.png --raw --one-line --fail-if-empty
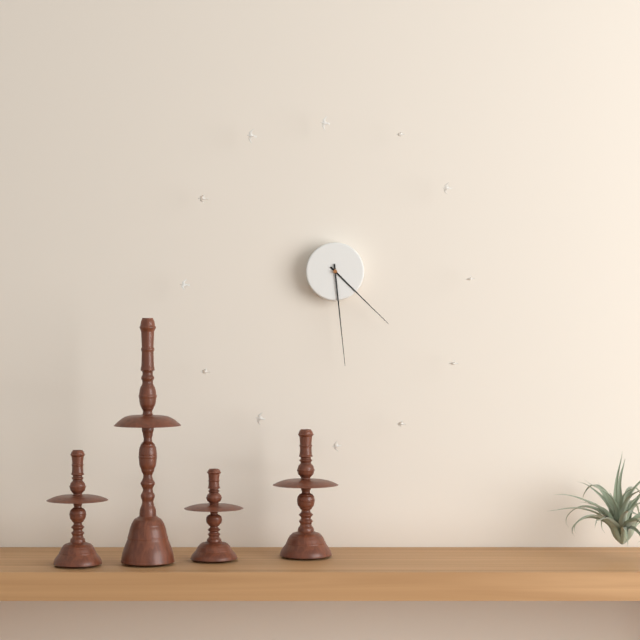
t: 4:29
